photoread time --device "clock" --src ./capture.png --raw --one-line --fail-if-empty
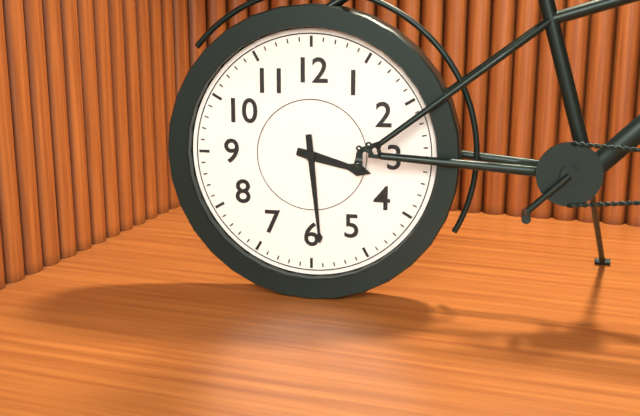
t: 3:29
